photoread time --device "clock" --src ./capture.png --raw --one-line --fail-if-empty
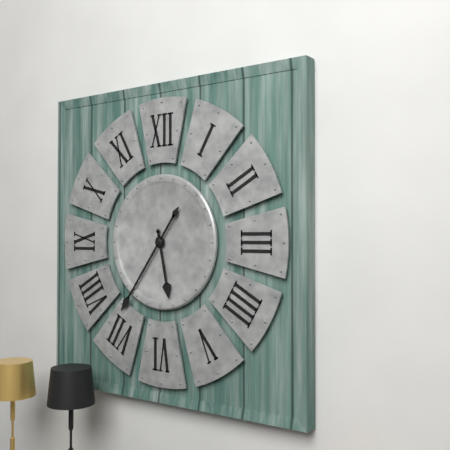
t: 5:36
